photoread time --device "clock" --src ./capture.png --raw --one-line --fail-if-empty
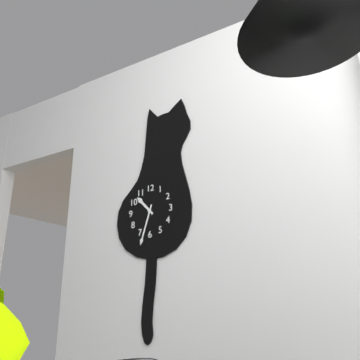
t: 10:33
